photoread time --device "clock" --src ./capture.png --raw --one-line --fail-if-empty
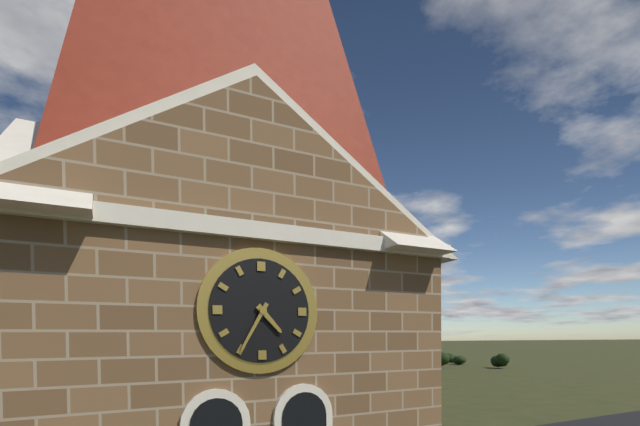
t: 4:35
